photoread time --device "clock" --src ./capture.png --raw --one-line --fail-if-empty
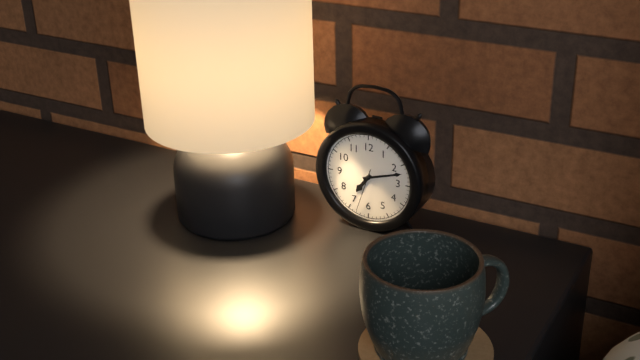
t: 7:12
